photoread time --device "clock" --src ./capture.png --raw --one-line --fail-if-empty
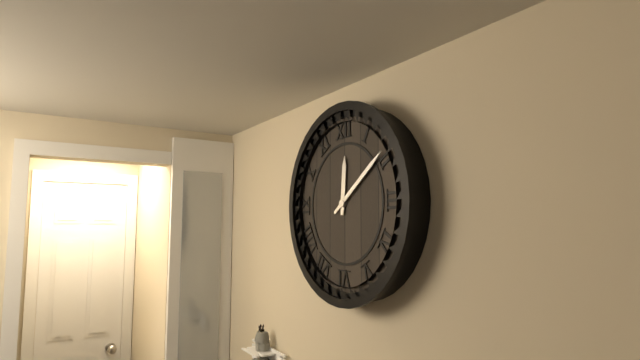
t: 12:09
